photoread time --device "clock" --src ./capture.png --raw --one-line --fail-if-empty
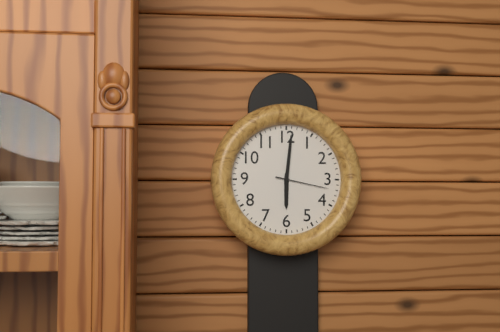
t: 6:01:17
